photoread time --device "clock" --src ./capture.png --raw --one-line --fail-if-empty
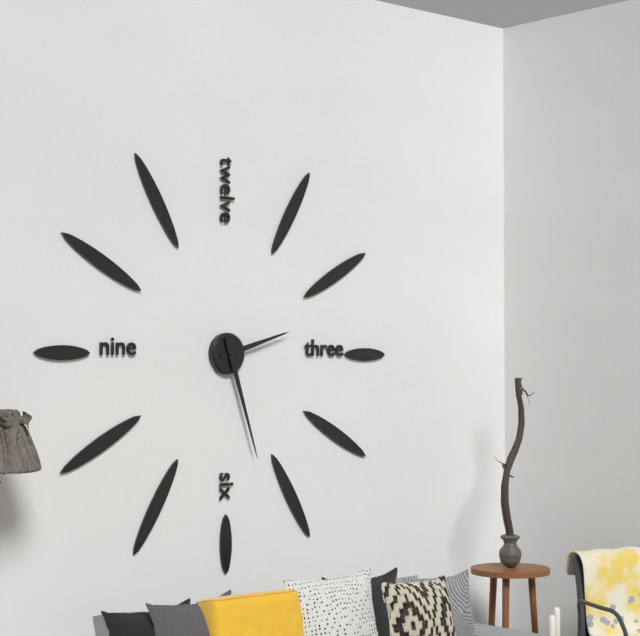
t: 2:27
